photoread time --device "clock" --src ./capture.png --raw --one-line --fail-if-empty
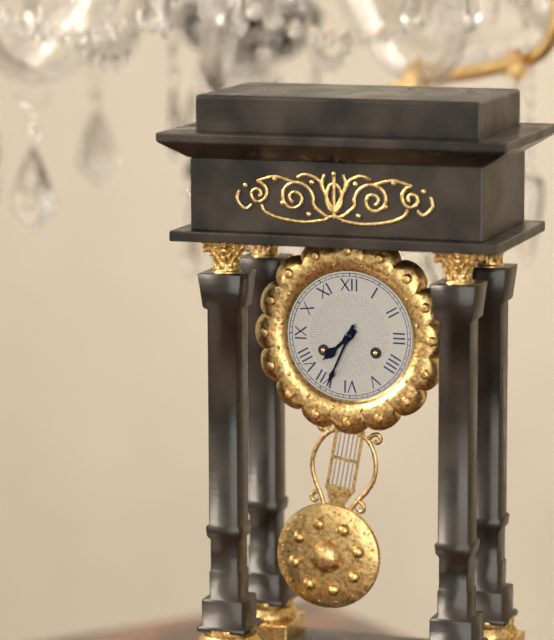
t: 7:34
